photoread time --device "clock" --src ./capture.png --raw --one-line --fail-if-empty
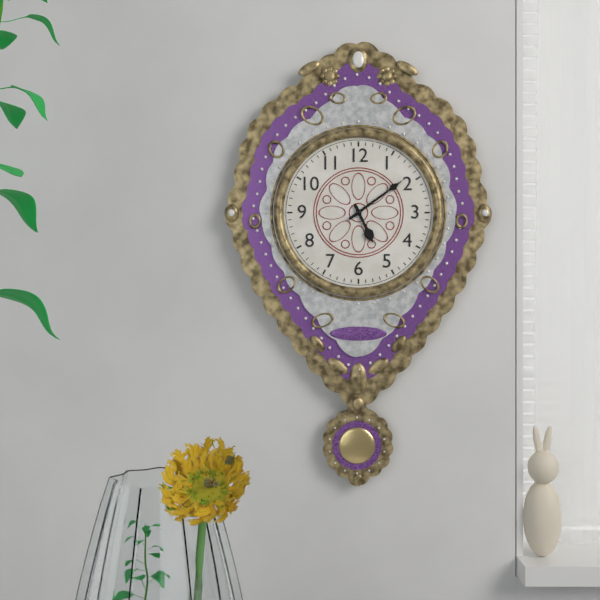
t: 5:09
